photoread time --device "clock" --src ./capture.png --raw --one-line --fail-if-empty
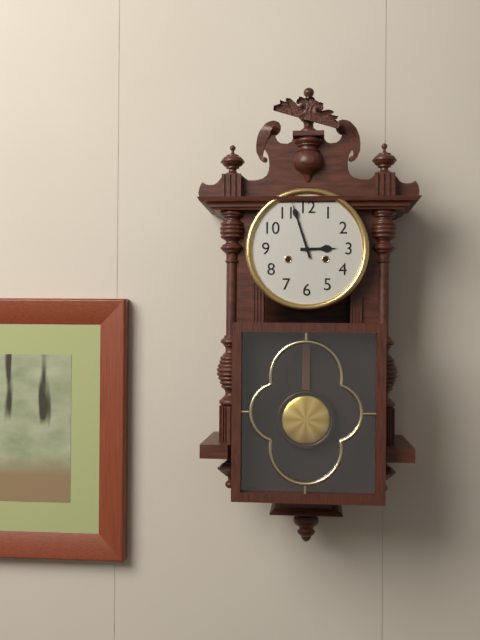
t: 2:57
